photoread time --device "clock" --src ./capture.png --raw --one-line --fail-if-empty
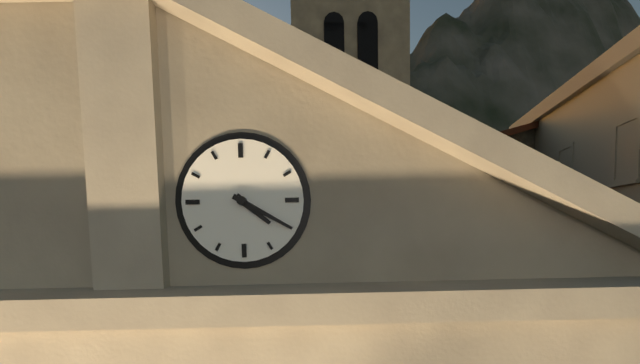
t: 4:20
